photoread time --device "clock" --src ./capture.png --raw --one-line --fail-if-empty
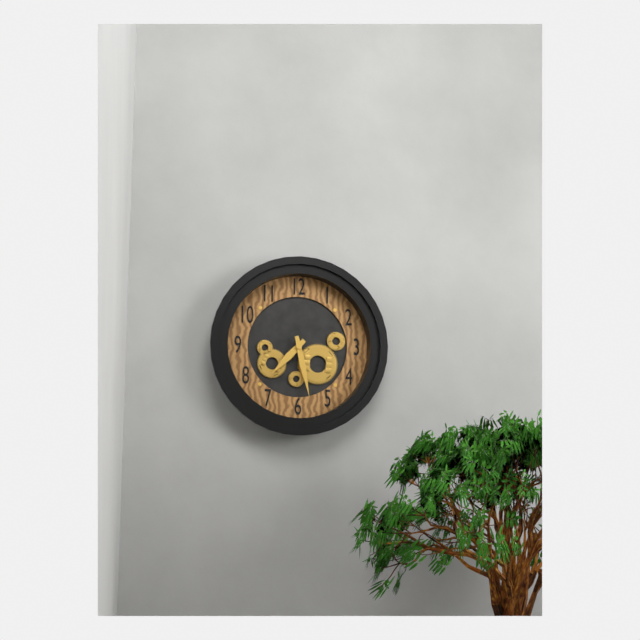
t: 7:28
